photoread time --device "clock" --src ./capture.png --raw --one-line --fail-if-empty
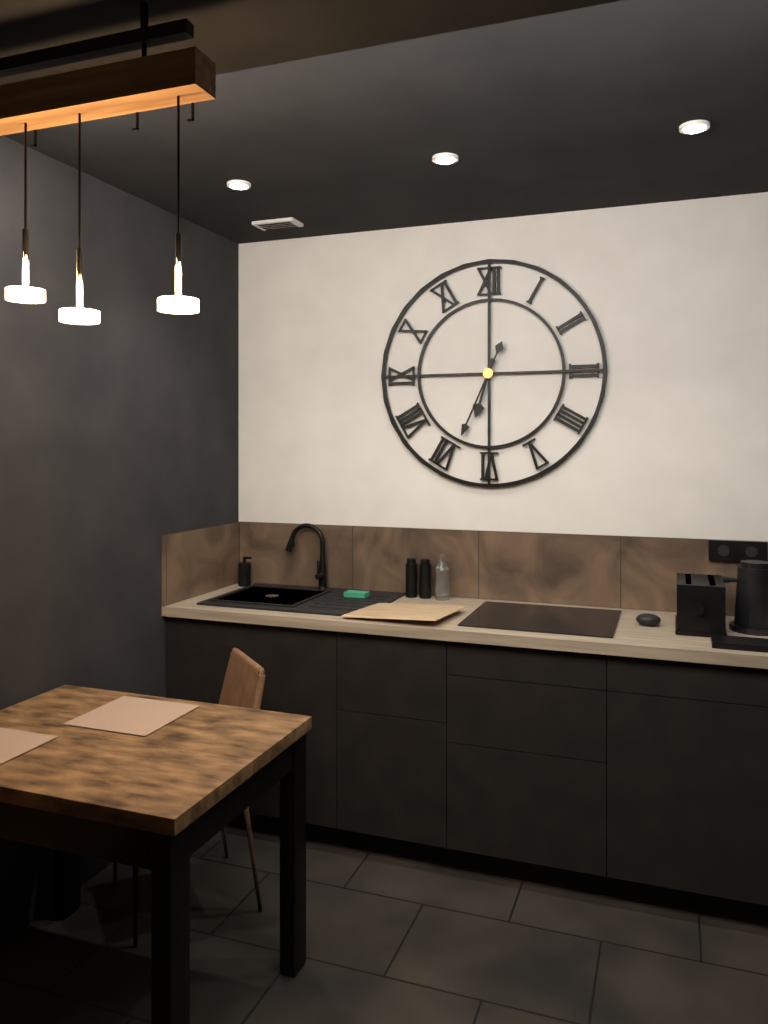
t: 6:34
